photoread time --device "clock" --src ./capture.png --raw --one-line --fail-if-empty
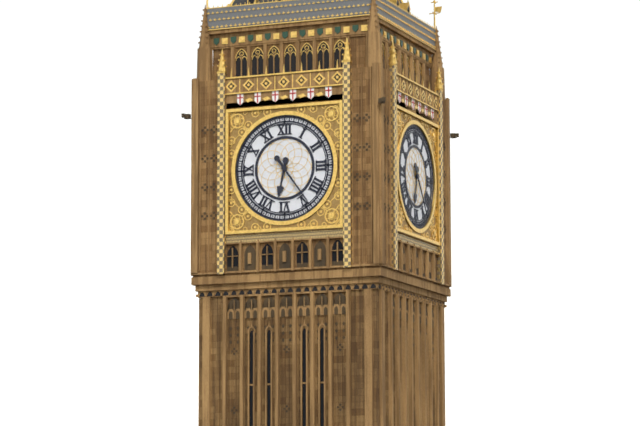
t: 6:24
